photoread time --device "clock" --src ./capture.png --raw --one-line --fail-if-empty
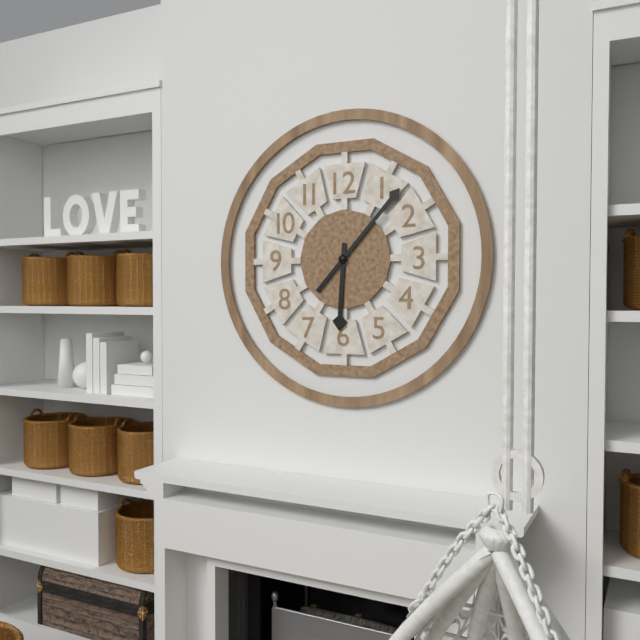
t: 6:07
